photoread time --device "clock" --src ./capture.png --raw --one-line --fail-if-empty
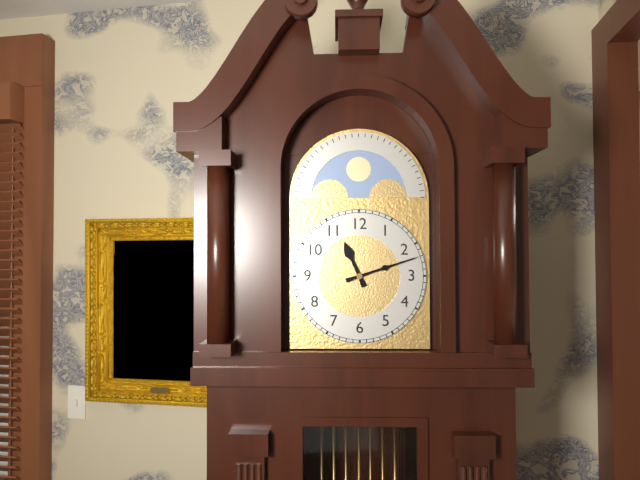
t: 11:12
